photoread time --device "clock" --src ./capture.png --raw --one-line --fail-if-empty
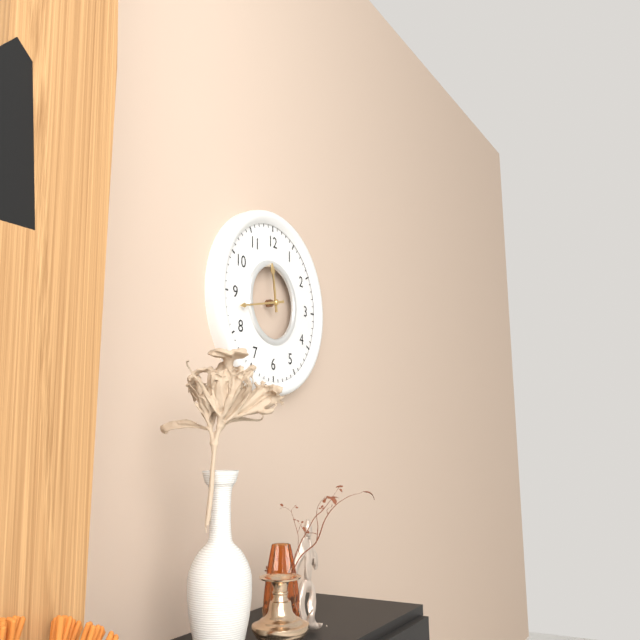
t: 11:43
